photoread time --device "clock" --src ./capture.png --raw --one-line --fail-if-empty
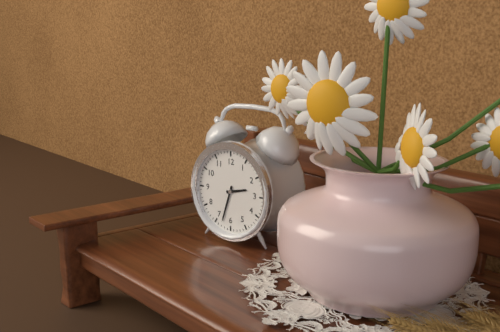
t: 2:33
